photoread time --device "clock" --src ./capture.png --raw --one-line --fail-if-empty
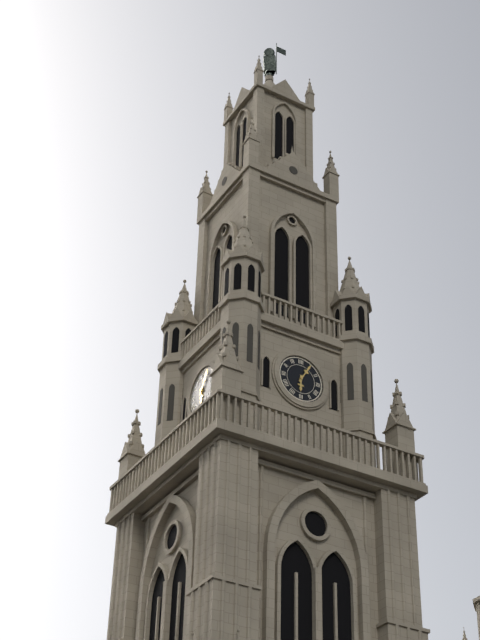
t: 6:05
